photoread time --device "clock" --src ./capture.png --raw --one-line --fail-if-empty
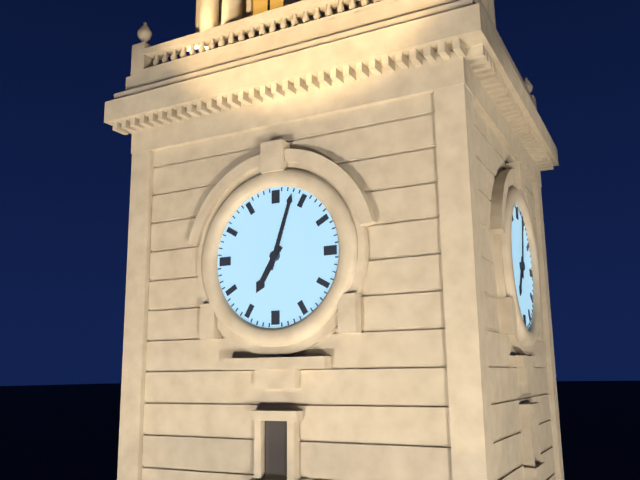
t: 7:03
